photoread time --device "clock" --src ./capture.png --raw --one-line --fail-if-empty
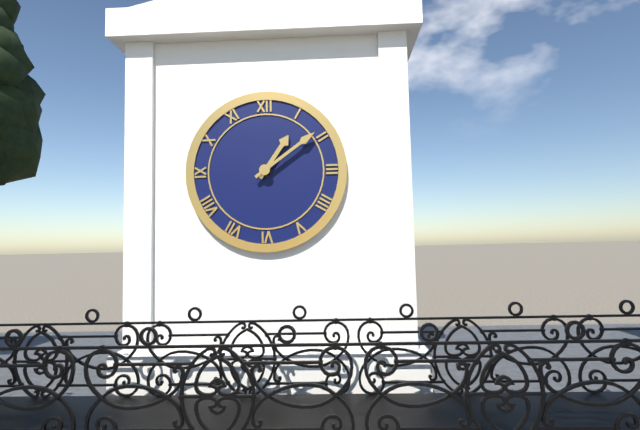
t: 1:09
